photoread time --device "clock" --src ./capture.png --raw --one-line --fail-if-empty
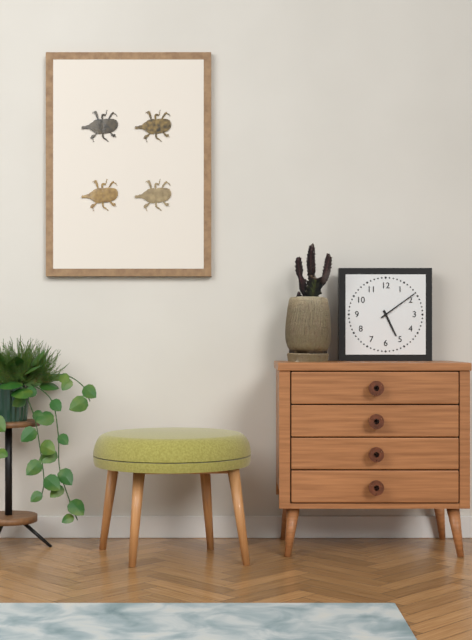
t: 5:09
